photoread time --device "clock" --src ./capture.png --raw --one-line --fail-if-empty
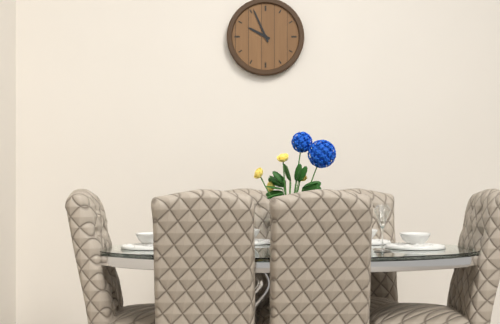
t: 9:56
